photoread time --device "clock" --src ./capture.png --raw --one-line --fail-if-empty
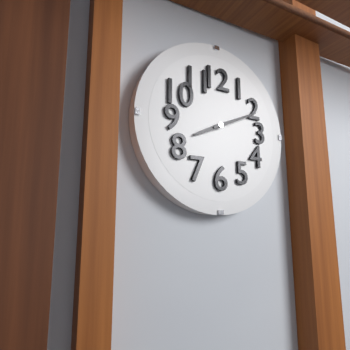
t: 8:11
